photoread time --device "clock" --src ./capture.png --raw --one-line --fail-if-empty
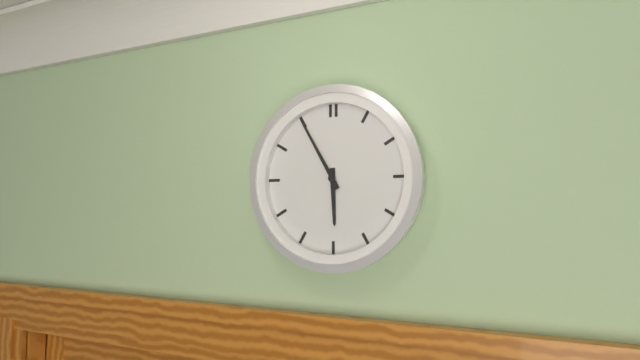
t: 5:55
